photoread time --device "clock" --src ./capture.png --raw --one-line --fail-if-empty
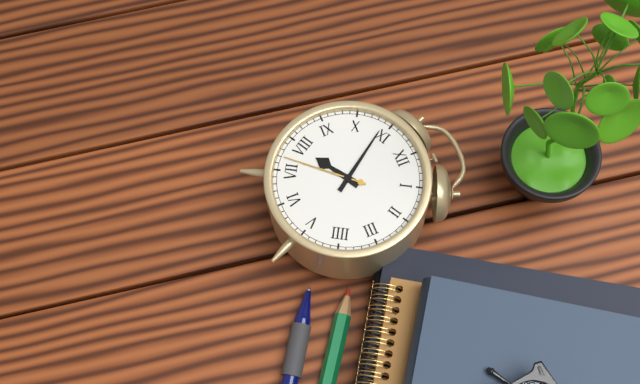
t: 7:54:37
